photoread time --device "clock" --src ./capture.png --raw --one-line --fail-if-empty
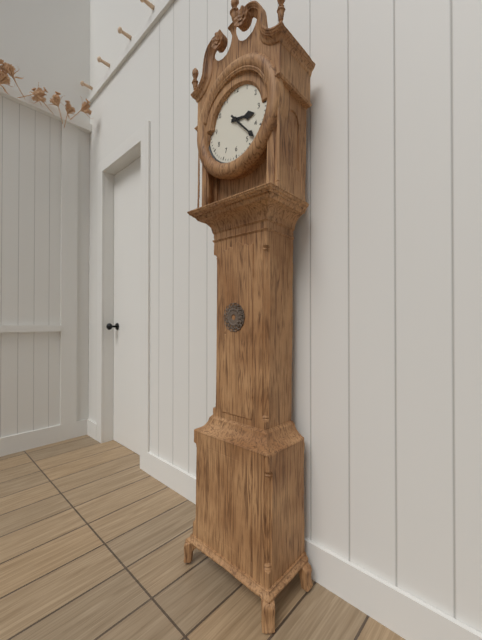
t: 3:23
